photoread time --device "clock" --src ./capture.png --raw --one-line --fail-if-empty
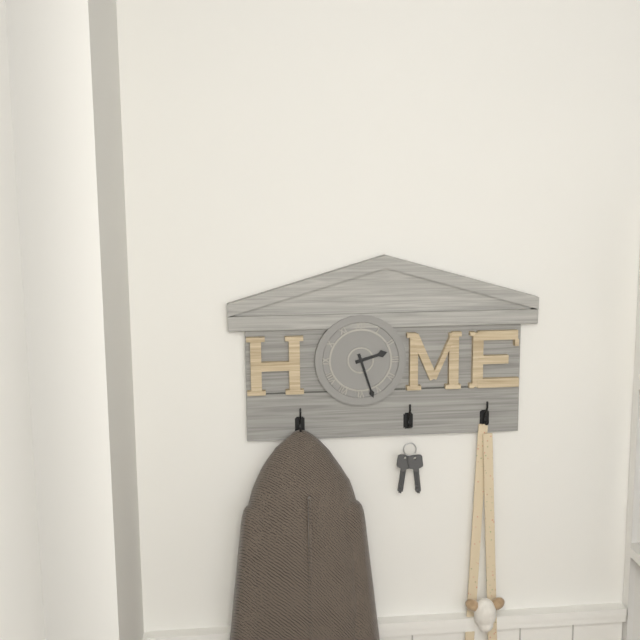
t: 2:27
